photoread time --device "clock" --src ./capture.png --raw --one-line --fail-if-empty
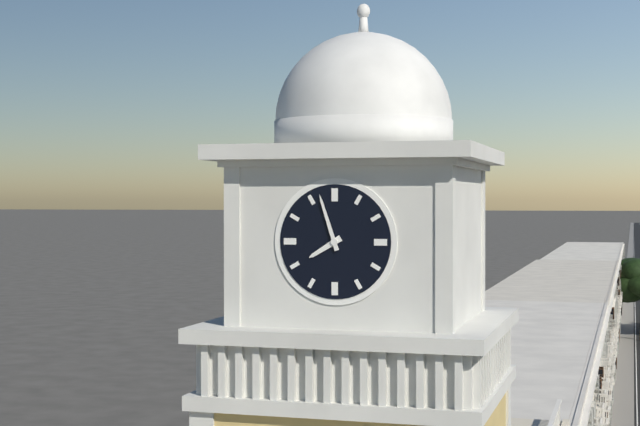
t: 7:57
